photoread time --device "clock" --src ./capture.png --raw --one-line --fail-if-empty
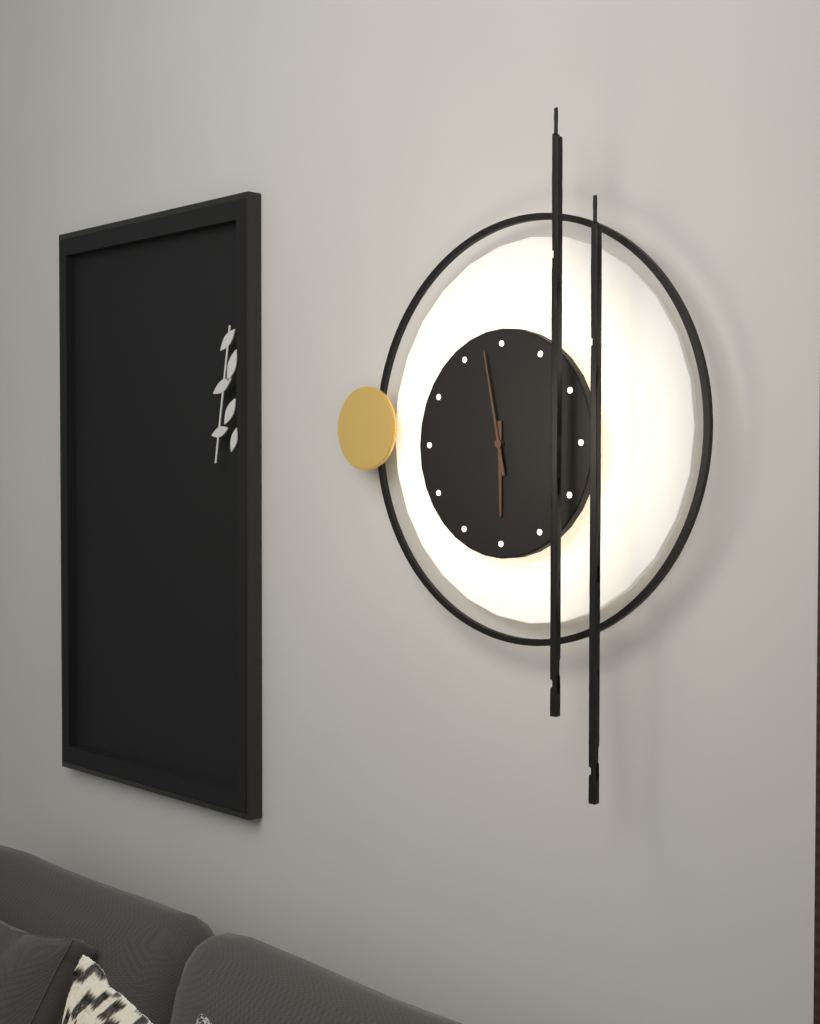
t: 5:58
